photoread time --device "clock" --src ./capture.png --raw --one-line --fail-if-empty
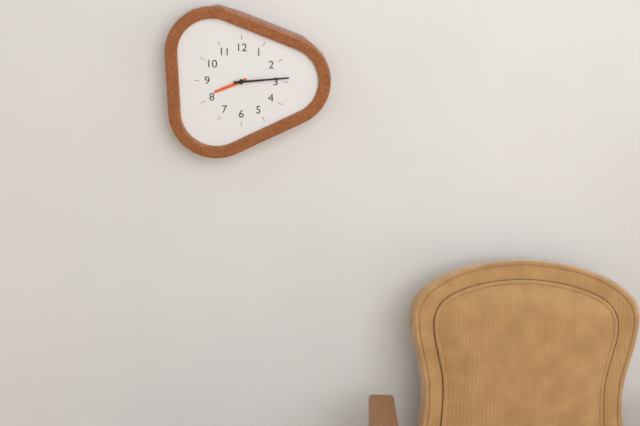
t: 8:14
